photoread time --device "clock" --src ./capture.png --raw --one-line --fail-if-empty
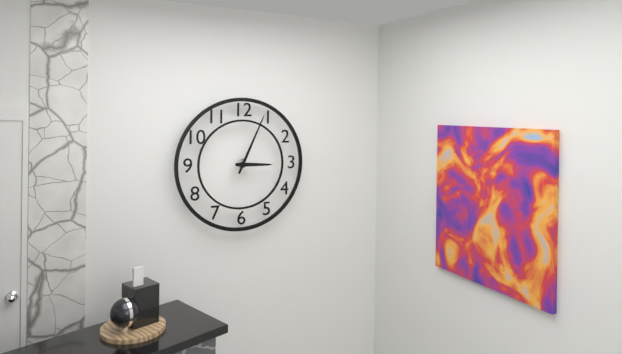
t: 3:04
